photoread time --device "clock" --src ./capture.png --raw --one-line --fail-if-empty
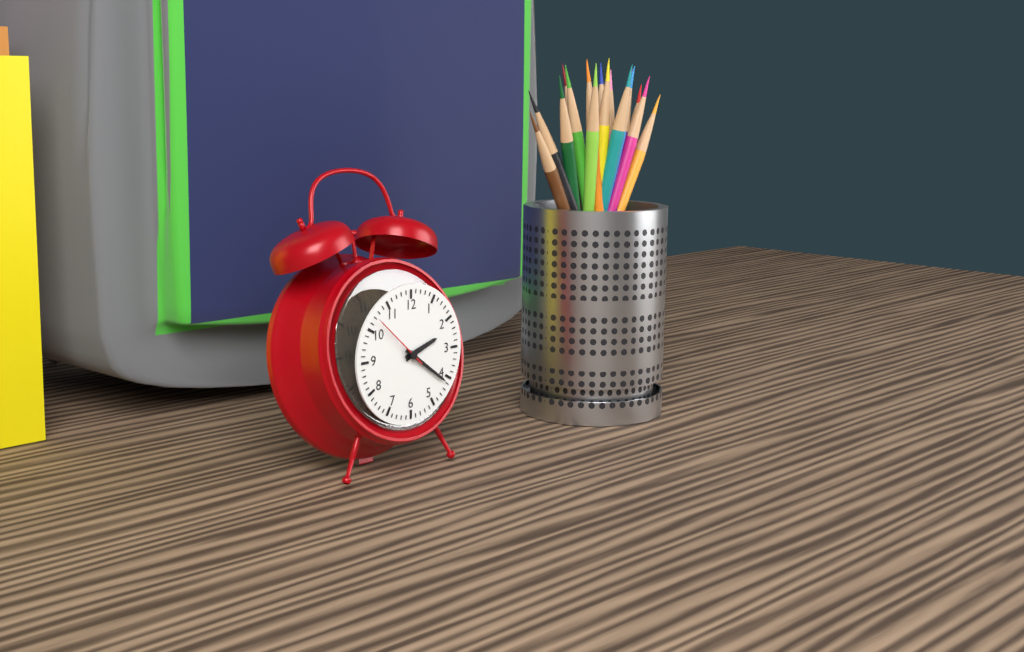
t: 2:21:52
